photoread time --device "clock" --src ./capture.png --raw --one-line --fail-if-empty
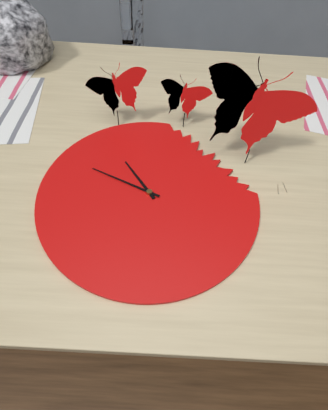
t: 10:49
